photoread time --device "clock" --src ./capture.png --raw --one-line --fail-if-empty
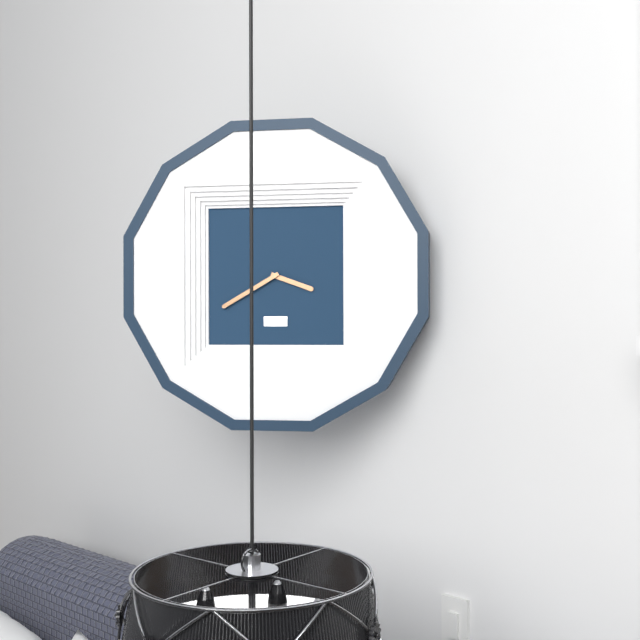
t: 3:40
